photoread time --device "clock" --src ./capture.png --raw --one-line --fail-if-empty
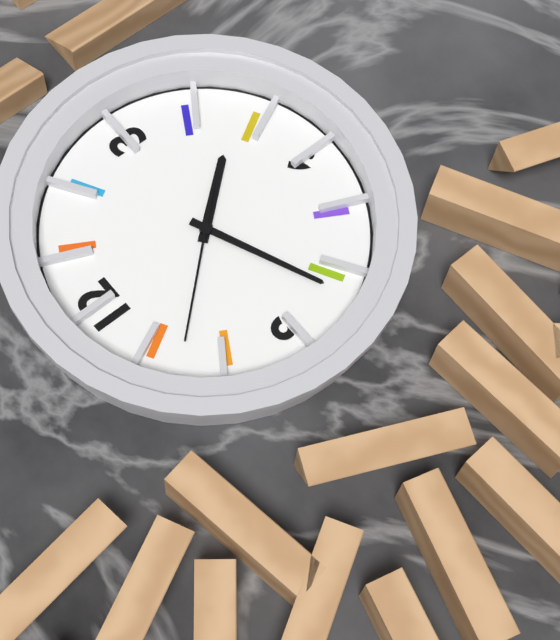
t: 4:41:53
